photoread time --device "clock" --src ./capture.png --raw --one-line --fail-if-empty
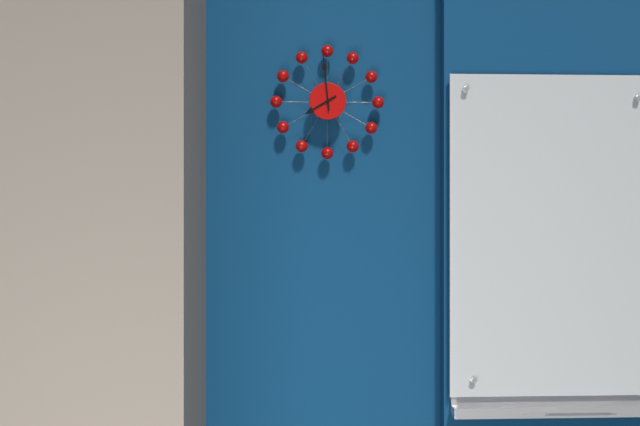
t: 7:59
